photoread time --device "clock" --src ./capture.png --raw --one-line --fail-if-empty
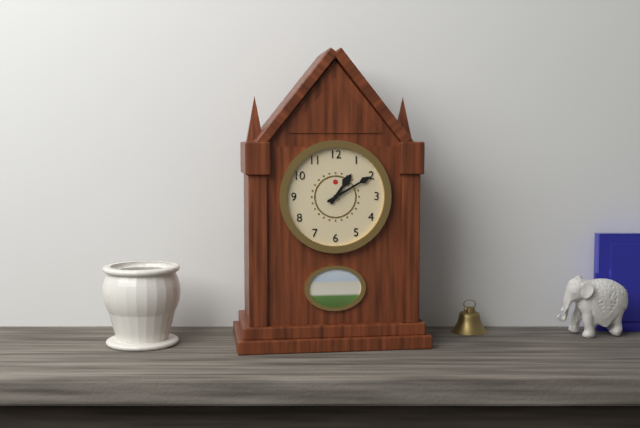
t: 1:10
